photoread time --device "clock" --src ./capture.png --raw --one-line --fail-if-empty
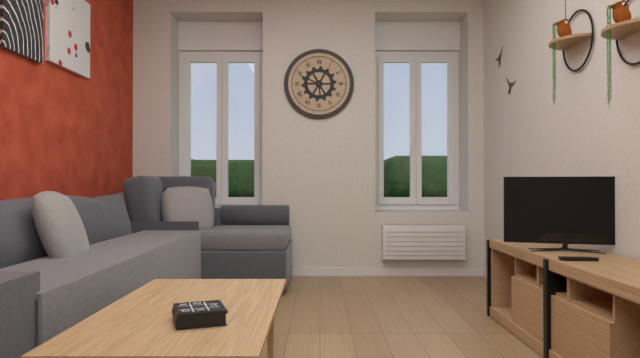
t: 5:49
